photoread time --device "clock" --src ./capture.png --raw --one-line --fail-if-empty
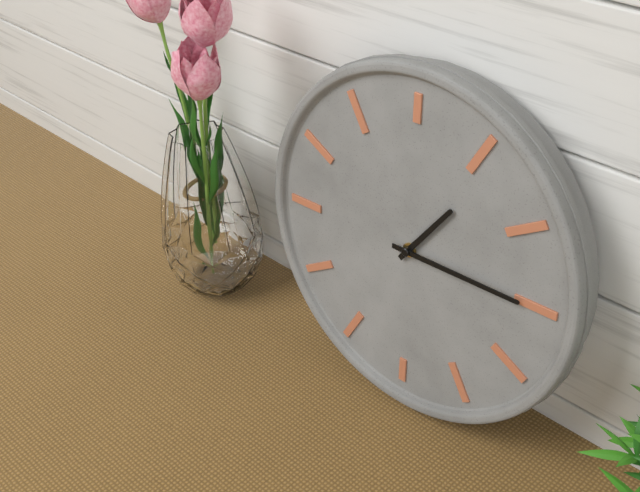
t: 1:15
